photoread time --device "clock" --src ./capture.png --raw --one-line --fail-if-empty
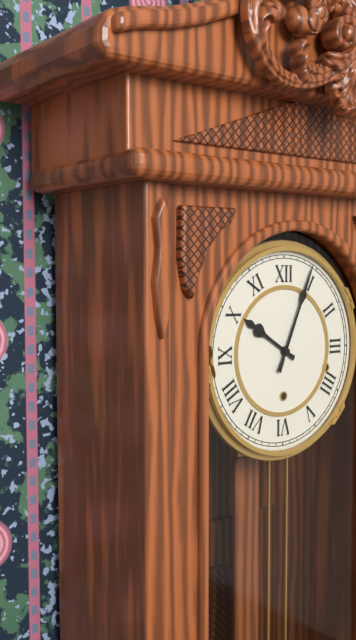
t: 10:04
